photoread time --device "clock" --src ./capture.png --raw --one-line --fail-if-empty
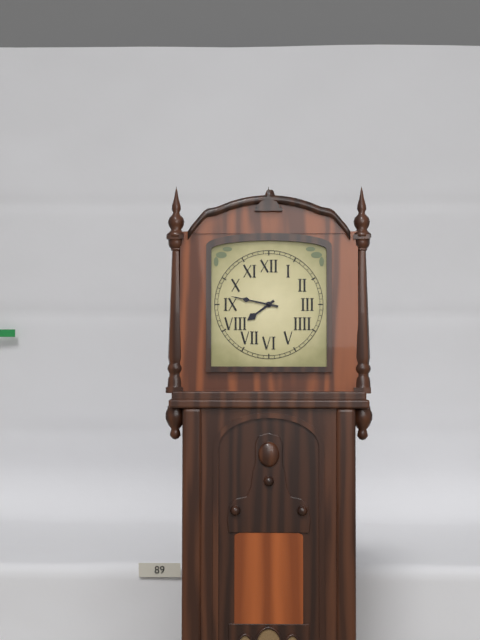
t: 7:47
